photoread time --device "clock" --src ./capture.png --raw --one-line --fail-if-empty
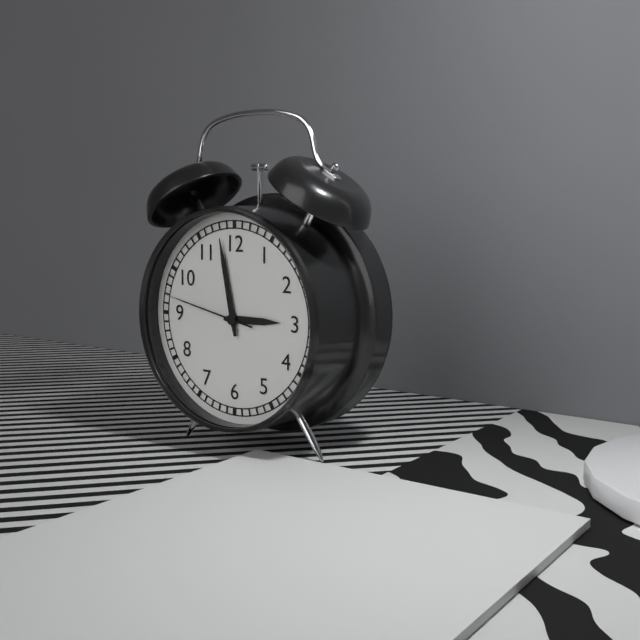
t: 2:58:47
